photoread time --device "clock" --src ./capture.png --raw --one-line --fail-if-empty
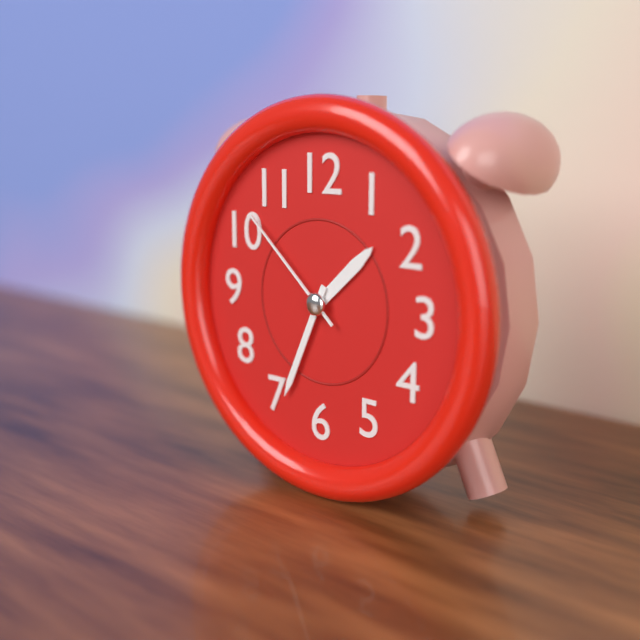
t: 1:34:52
